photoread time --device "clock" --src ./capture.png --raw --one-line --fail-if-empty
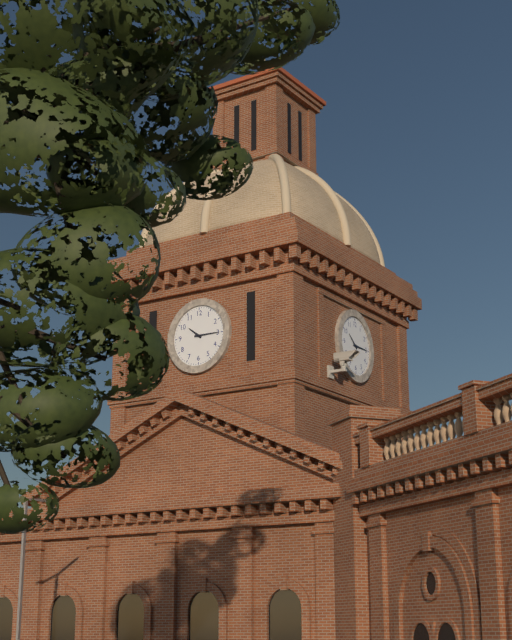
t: 10:15
